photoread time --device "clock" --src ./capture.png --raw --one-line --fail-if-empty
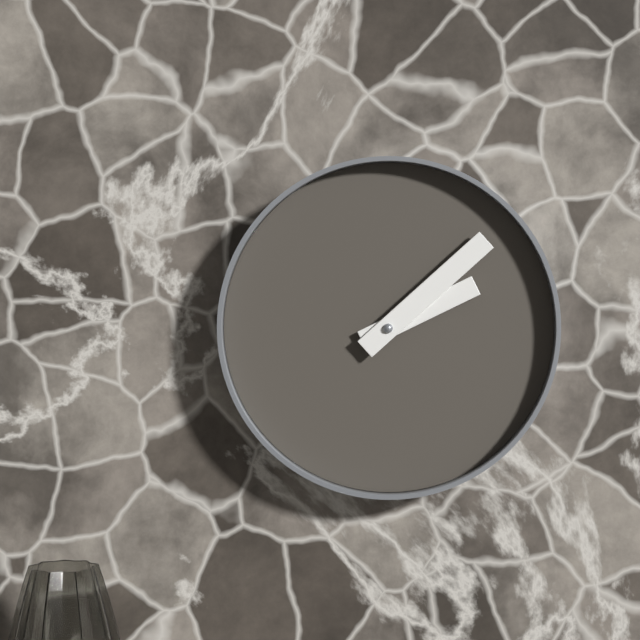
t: 2:08
